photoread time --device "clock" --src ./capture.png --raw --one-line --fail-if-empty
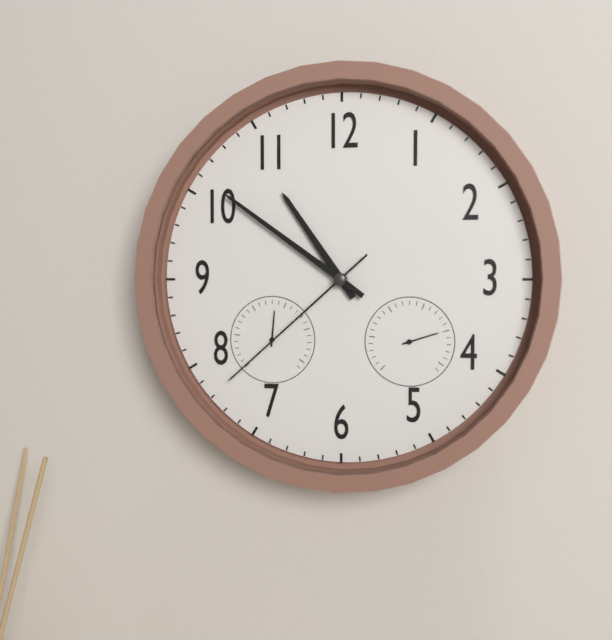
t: 10:51:38
